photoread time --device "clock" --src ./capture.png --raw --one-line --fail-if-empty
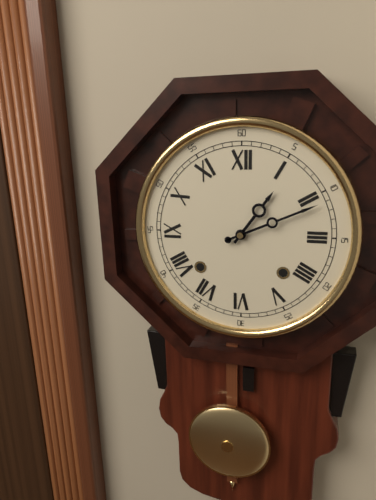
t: 1:11
